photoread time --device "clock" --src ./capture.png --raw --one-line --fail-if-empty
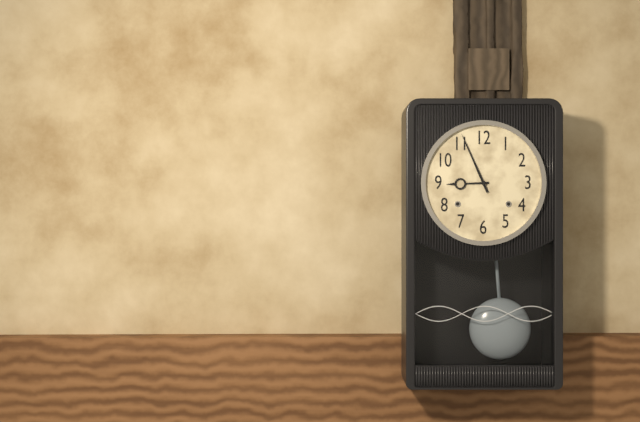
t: 8:56
